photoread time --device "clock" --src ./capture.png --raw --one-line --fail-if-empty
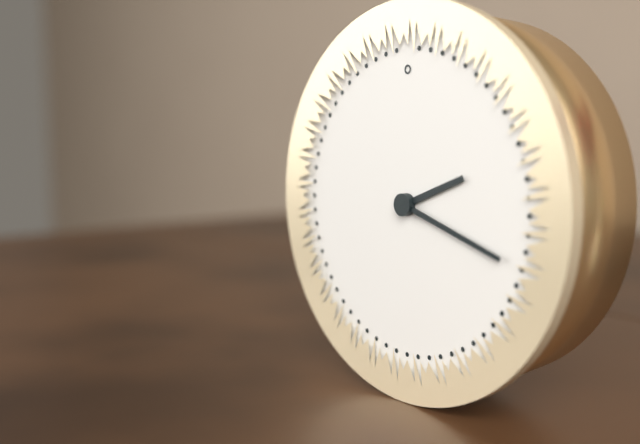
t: 2:18
